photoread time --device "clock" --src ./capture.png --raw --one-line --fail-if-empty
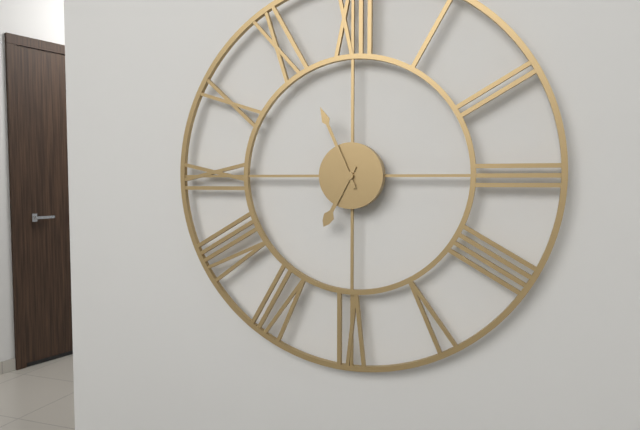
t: 6:56
